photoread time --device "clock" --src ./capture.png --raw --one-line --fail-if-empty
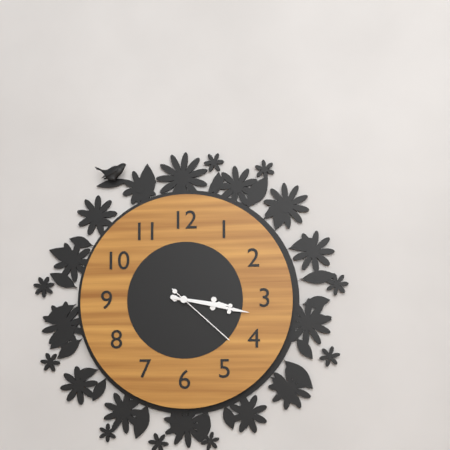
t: 3:17:22
